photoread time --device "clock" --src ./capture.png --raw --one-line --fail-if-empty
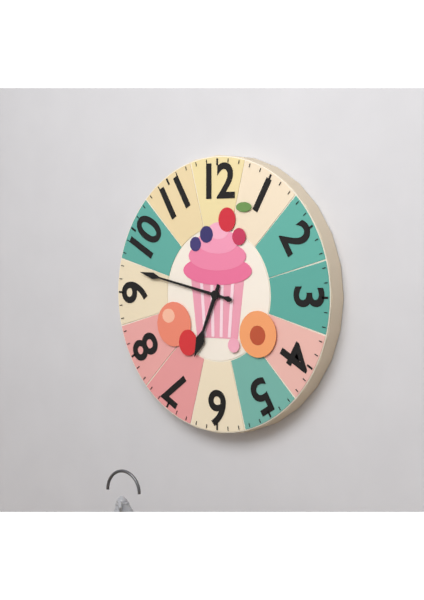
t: 6:47
